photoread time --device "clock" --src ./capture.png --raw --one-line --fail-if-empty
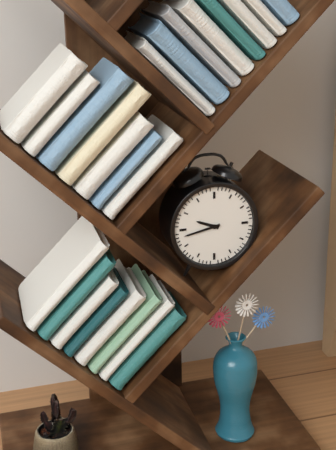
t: 9:43
